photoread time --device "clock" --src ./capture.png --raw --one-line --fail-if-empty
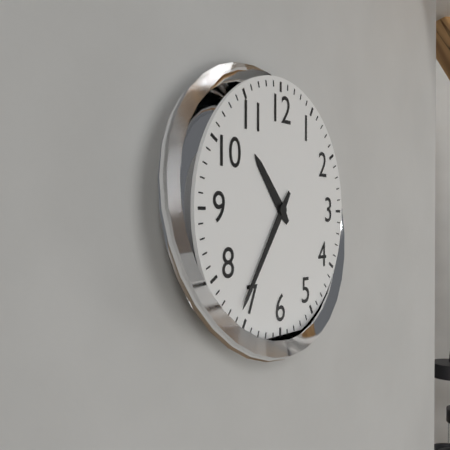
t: 10:36
